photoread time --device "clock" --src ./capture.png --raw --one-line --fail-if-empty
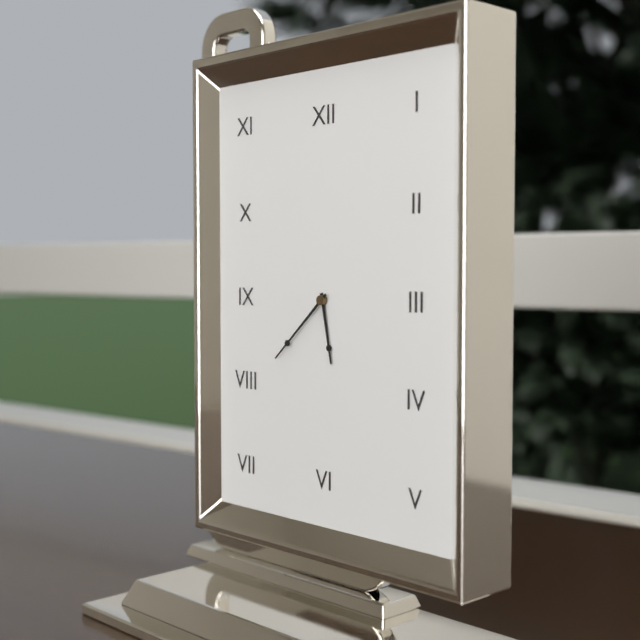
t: 5:38
